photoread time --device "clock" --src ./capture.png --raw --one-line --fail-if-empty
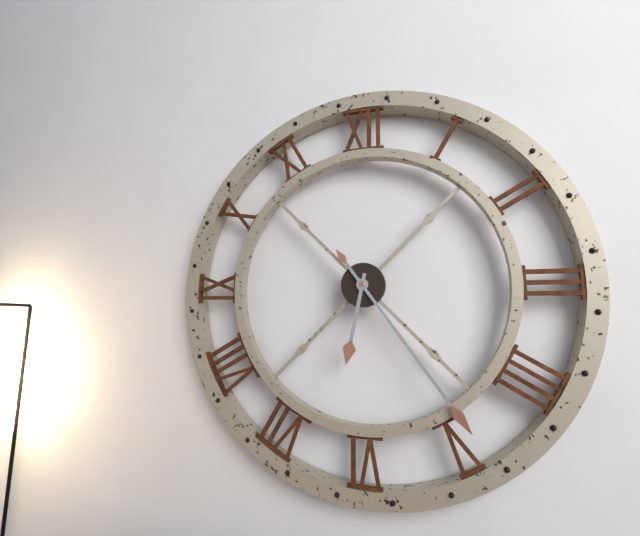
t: 6:24
